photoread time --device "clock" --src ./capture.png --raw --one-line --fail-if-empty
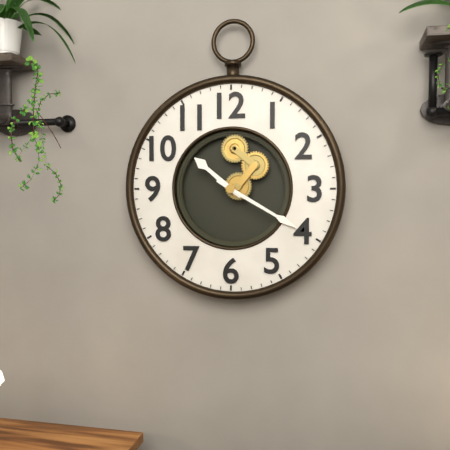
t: 10:20
